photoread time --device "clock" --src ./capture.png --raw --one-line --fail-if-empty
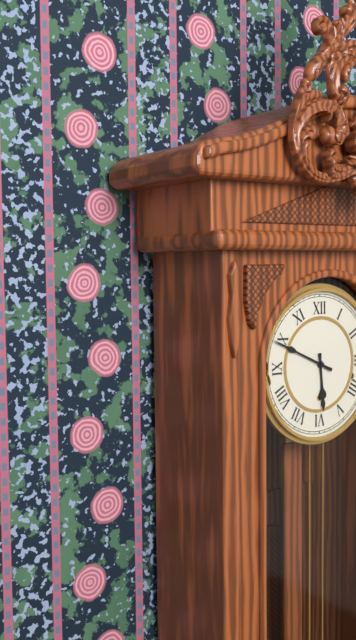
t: 5:49
